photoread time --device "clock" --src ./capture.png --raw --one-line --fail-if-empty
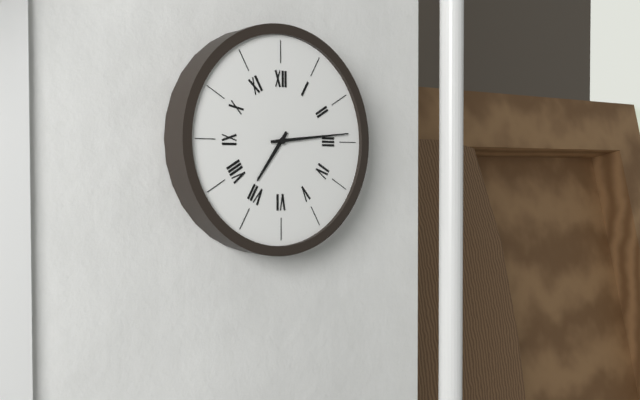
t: 7:14
